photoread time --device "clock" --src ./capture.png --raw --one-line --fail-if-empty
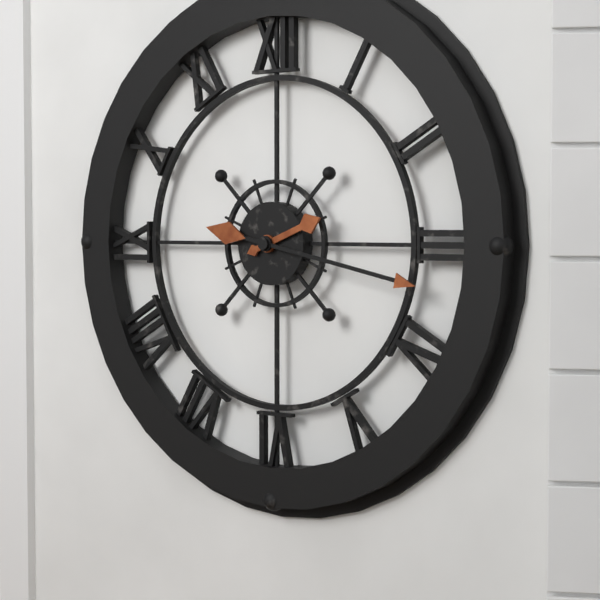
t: 2:17
